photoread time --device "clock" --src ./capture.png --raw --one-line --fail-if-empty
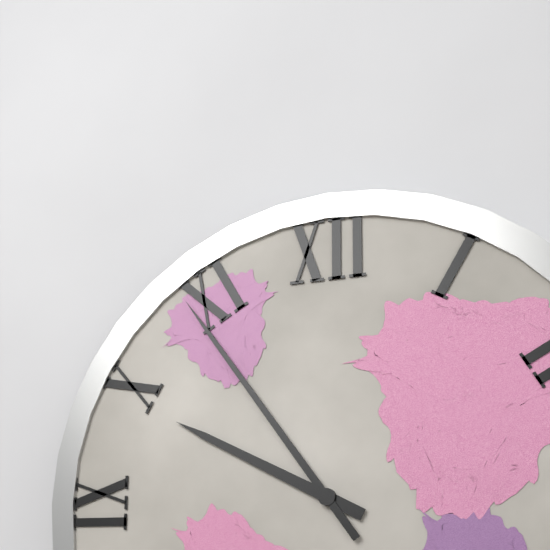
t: 9:54
